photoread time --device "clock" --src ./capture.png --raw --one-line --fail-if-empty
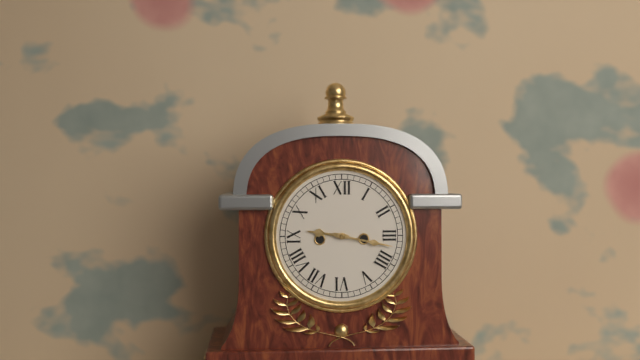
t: 9:17
